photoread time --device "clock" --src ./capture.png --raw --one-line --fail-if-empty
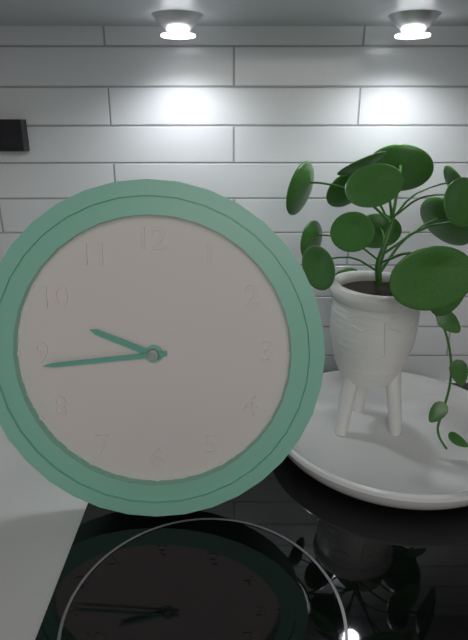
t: 9:44
